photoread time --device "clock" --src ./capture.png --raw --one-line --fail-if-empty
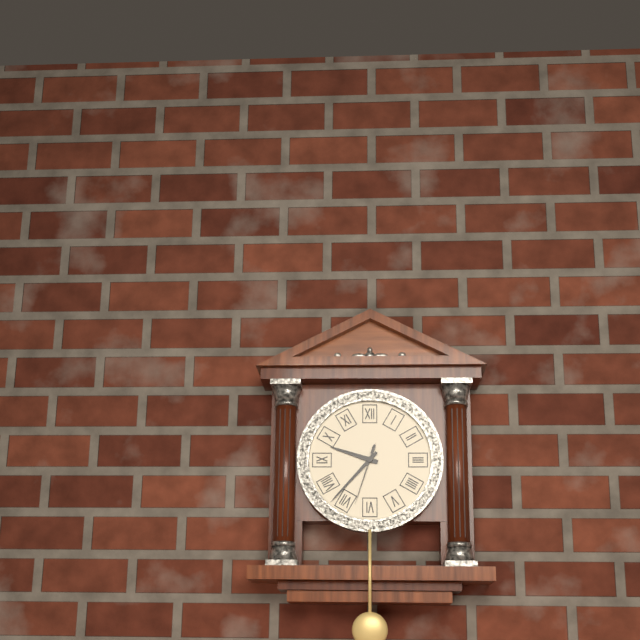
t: 9:37:33
